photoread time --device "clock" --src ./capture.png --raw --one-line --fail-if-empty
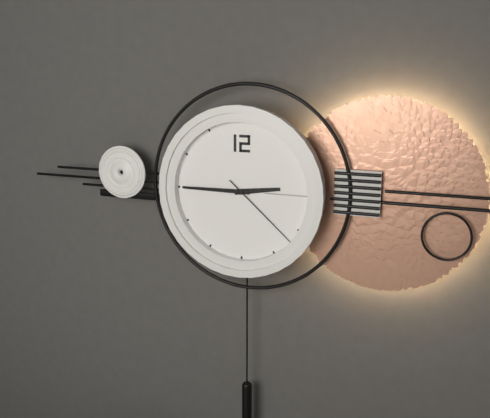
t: 2:45:22
